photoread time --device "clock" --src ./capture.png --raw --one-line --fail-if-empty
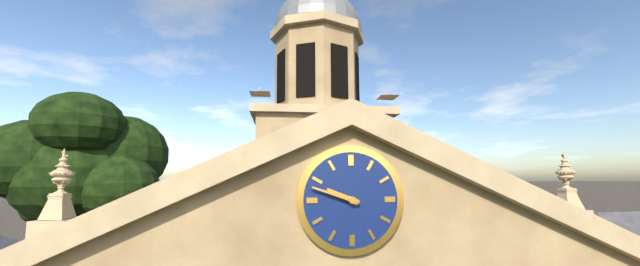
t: 9:48
